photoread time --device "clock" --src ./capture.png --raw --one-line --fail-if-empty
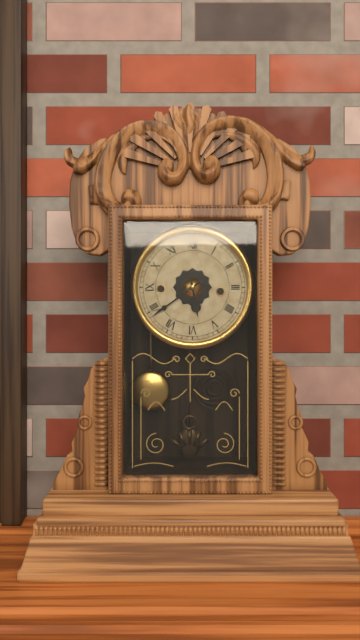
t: 5:39
